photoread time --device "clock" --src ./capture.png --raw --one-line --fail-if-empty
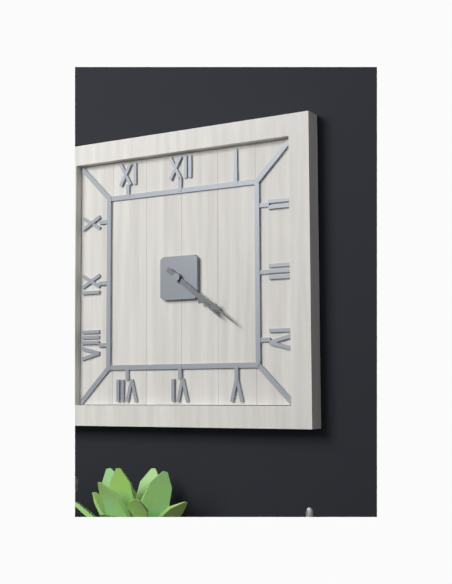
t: 4:21
